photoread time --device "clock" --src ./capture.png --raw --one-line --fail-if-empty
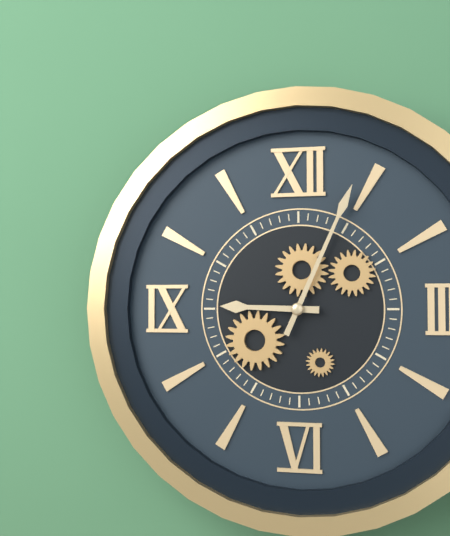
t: 9:04
